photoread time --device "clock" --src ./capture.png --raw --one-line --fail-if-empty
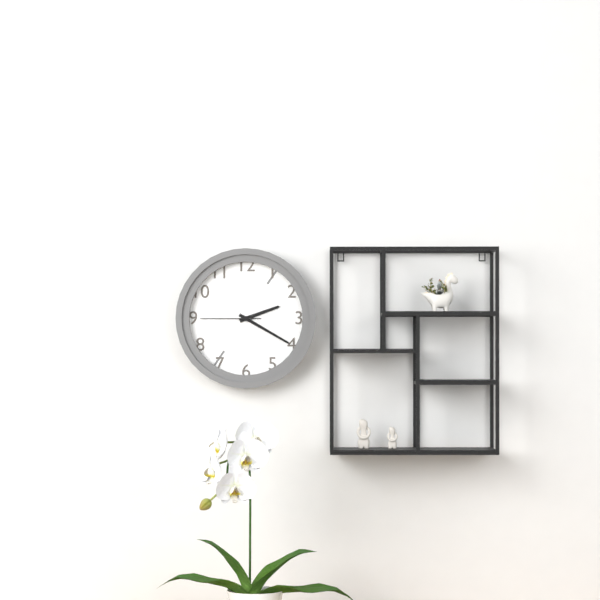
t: 2:20:45
